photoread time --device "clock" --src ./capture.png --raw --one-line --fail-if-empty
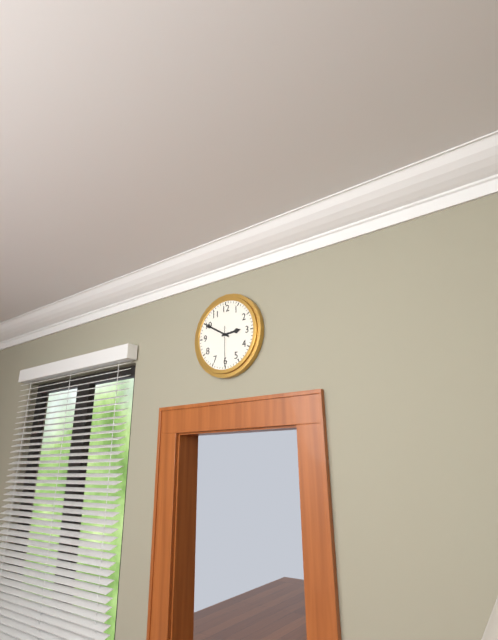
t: 2:50
